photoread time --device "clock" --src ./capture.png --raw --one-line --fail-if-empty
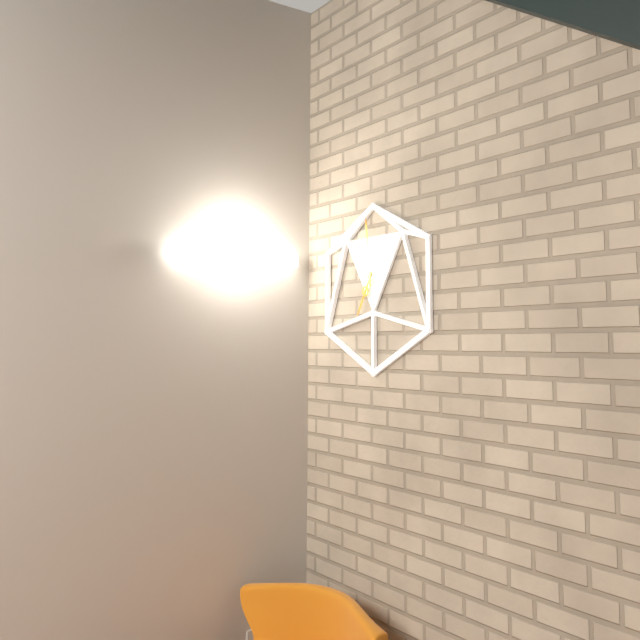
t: 6:59
